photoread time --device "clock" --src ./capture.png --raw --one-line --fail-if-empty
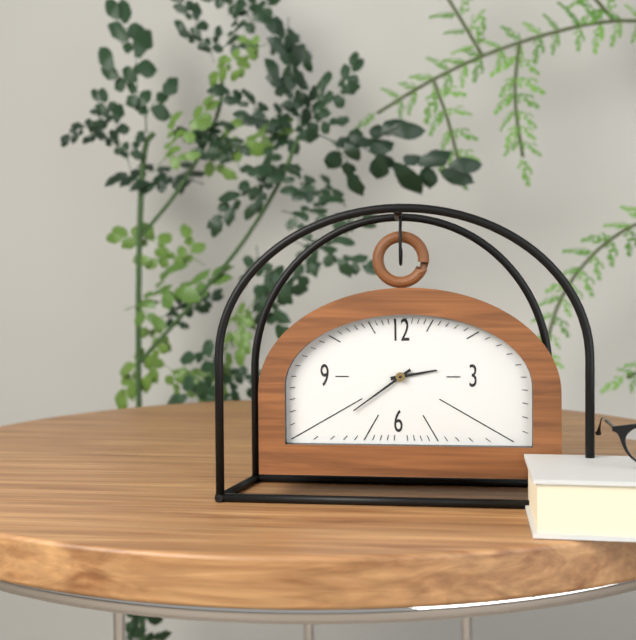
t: 2:39
